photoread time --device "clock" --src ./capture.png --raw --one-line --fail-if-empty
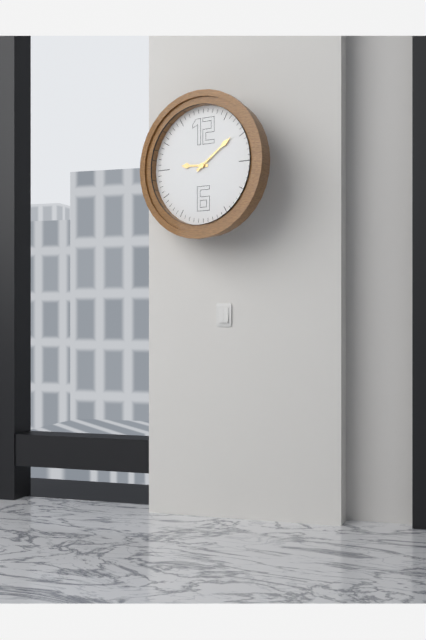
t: 9:09
